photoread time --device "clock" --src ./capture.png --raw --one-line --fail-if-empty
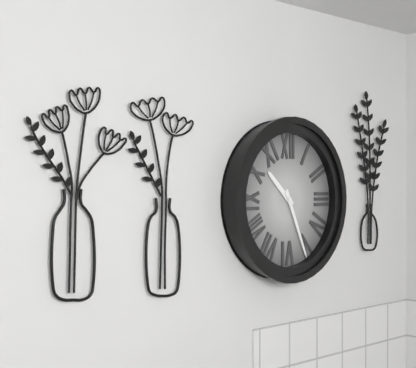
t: 10:26
